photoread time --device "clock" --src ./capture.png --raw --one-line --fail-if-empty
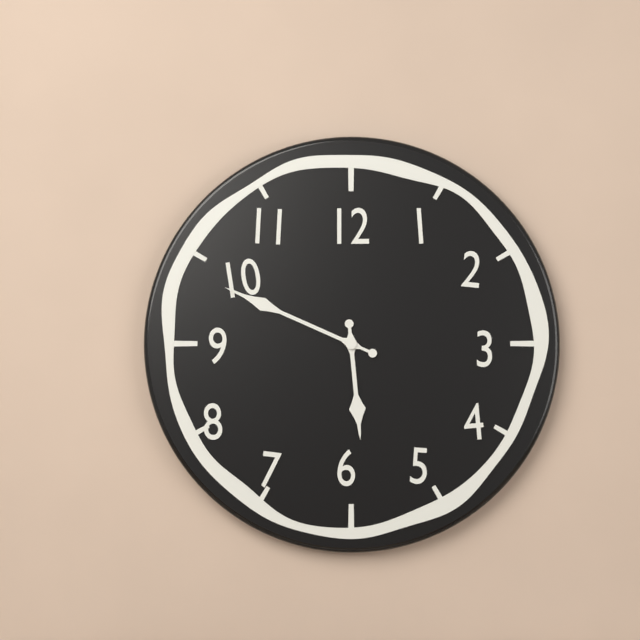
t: 5:49
